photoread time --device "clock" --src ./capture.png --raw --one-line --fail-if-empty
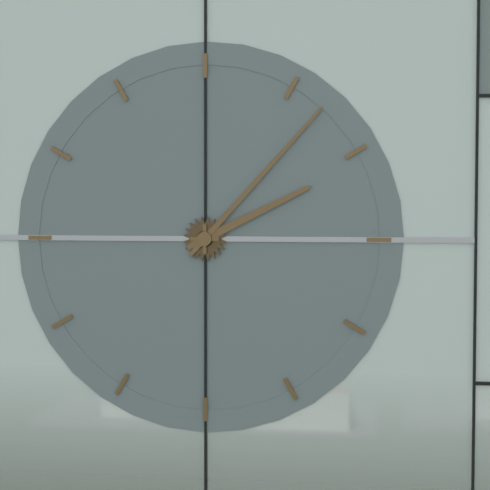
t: 2:07
